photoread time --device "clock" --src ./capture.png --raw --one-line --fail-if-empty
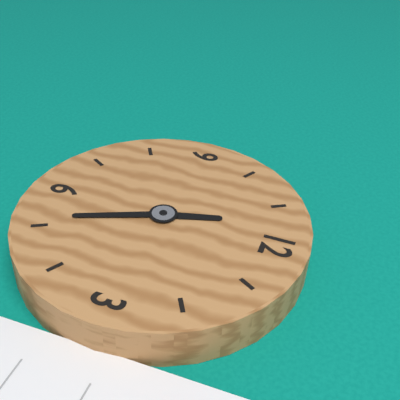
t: 11:26
